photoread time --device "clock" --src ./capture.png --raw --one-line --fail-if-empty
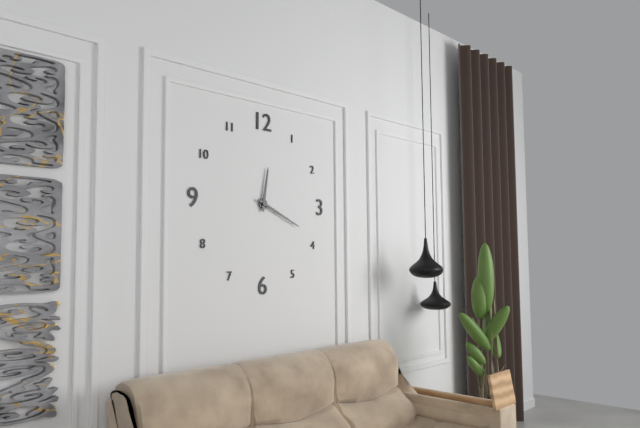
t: 12:19
